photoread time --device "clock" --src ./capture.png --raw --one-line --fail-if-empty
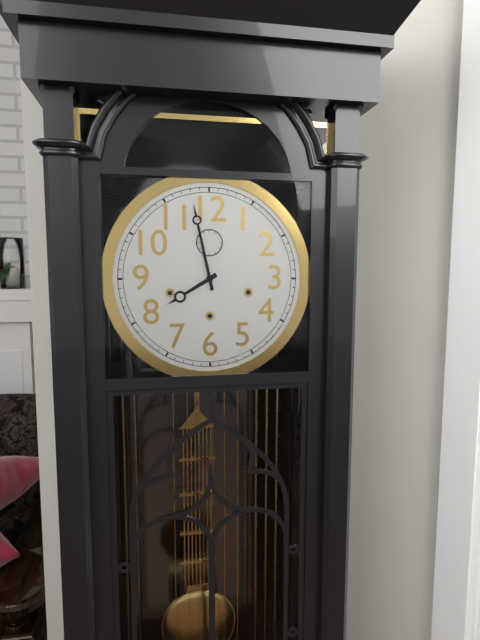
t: 7:58
